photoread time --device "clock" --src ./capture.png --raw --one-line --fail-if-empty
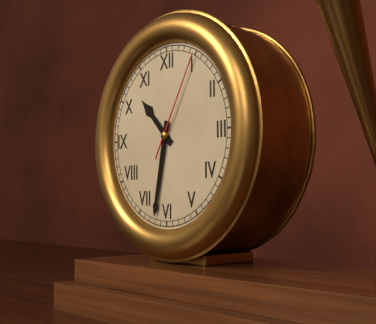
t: 10:32:05
